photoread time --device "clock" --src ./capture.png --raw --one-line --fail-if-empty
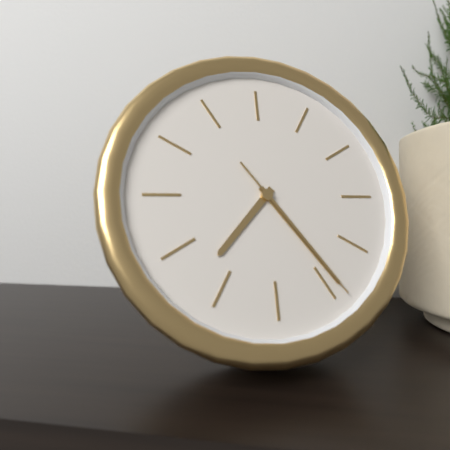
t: 7:24:24
